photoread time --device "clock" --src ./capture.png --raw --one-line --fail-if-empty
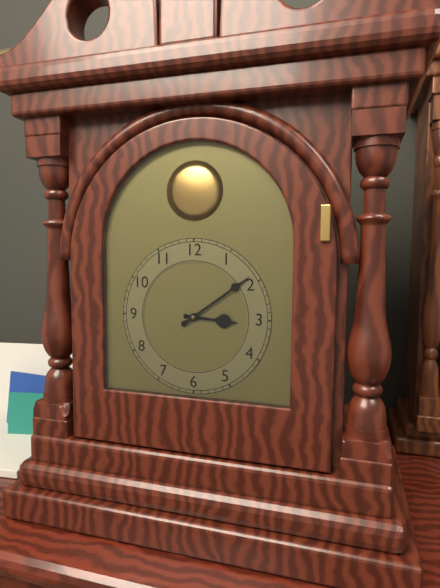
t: 3:09
